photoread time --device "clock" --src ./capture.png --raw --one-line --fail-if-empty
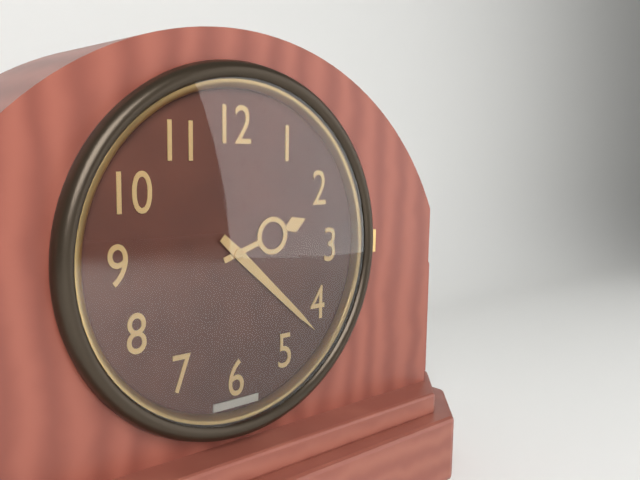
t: 2:22
